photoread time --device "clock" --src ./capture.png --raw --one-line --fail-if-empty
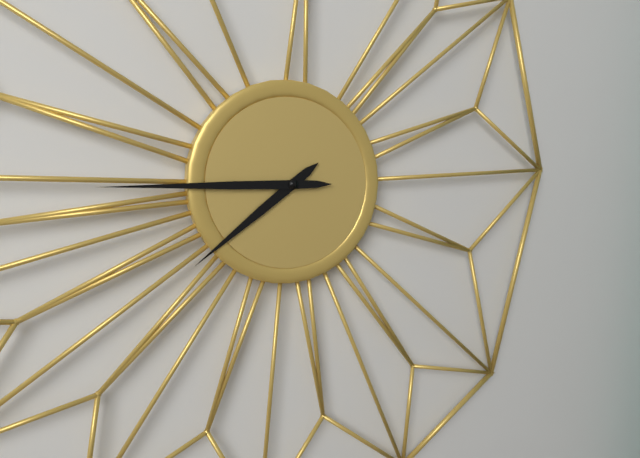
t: 7:45
